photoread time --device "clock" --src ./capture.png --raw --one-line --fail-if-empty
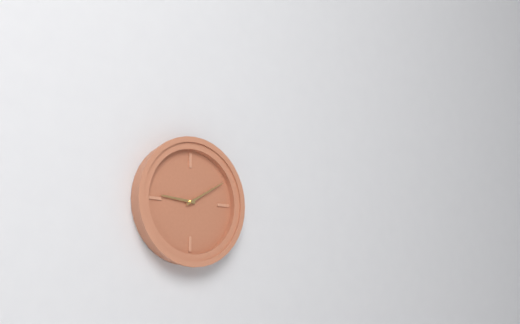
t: 9:10
